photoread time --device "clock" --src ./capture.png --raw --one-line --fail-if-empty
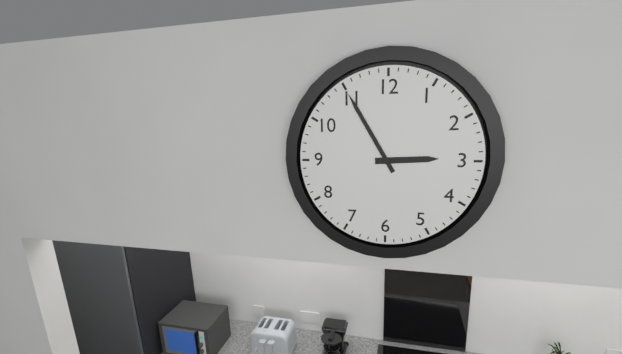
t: 2:55
